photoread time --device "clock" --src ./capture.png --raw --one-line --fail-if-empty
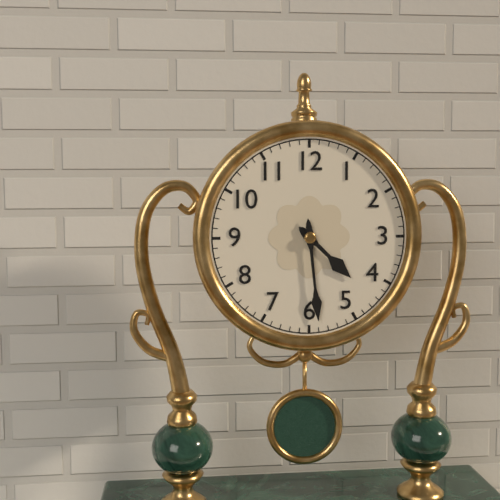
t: 4:29
